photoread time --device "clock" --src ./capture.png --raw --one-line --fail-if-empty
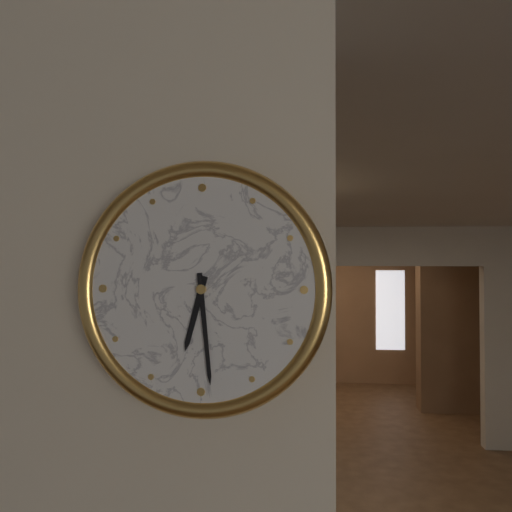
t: 6:29
